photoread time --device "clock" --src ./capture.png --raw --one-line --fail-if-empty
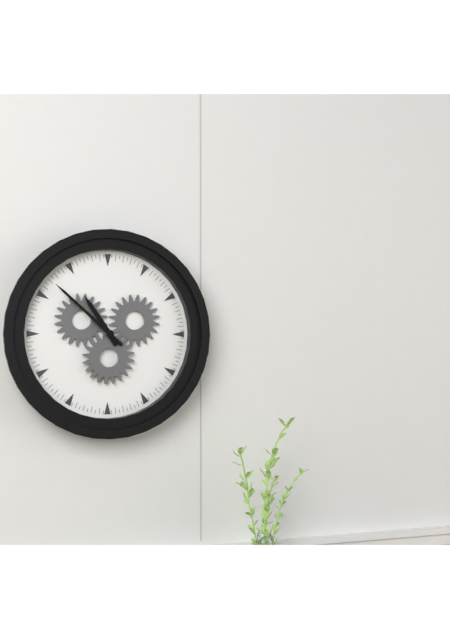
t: 10:52
